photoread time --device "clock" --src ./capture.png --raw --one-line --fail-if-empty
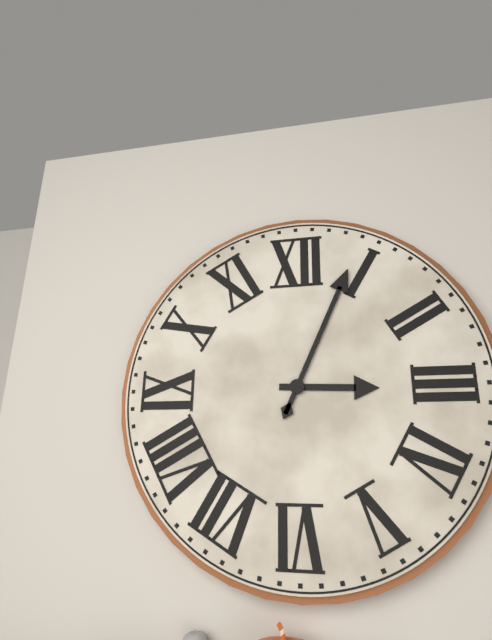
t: 3:04
